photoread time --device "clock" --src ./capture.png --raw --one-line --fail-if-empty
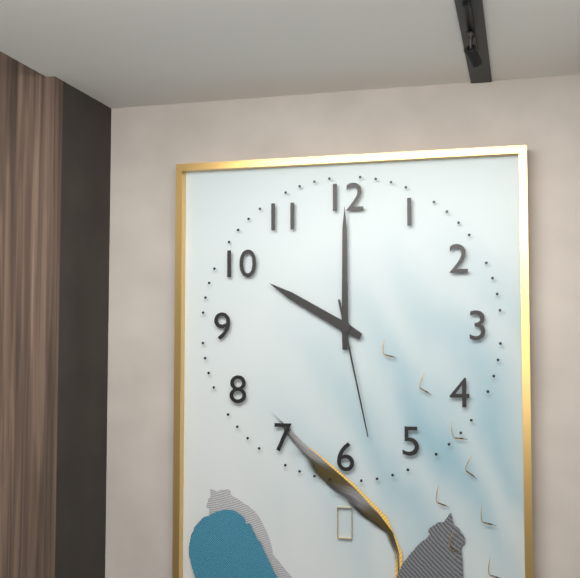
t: 10:00:28
